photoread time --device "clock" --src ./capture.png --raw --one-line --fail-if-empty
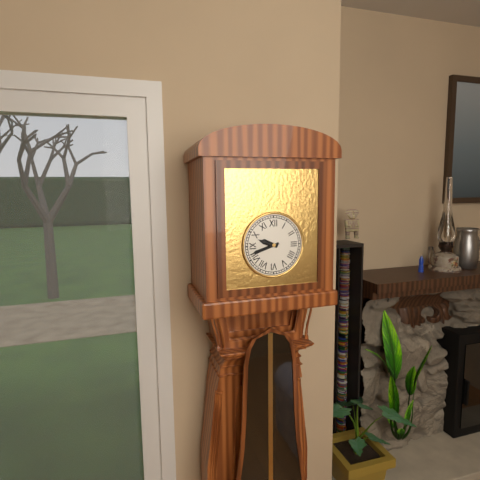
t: 9:42
